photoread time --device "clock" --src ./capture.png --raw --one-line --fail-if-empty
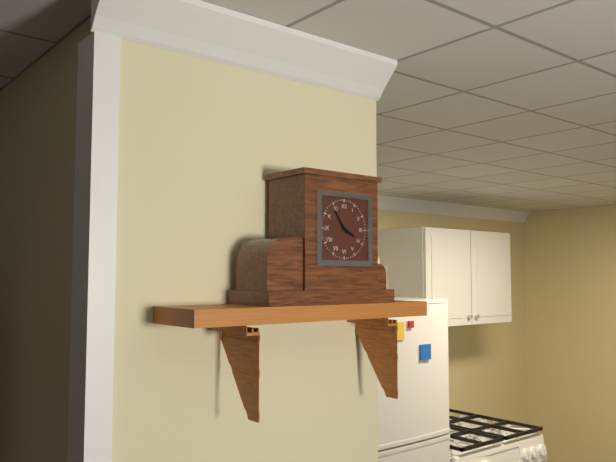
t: 3:54
